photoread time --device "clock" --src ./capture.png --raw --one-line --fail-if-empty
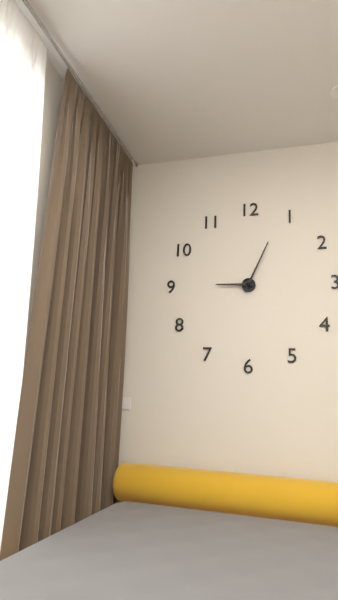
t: 9:04
